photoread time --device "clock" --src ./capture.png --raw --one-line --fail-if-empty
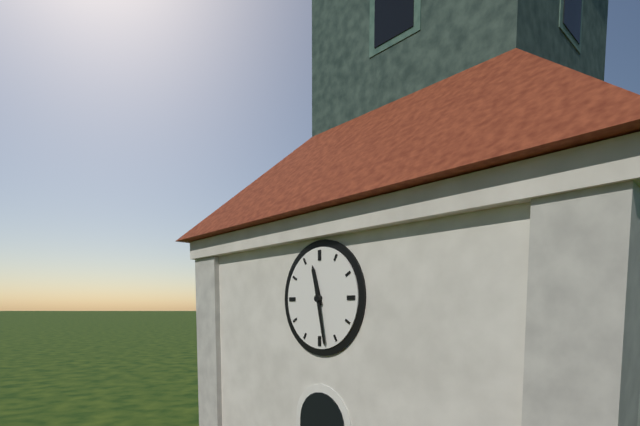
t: 11:28
